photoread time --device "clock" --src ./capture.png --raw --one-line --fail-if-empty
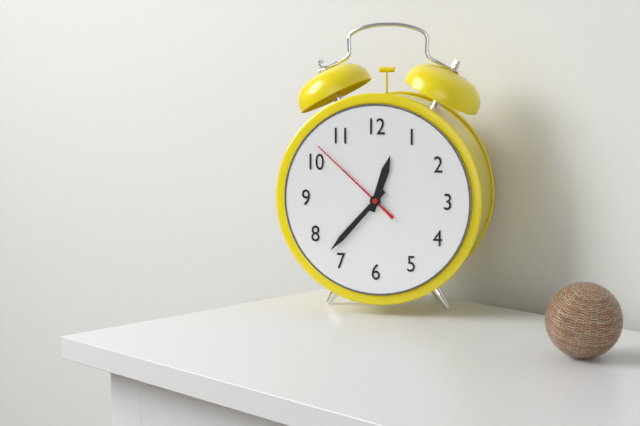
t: 12:37:52
